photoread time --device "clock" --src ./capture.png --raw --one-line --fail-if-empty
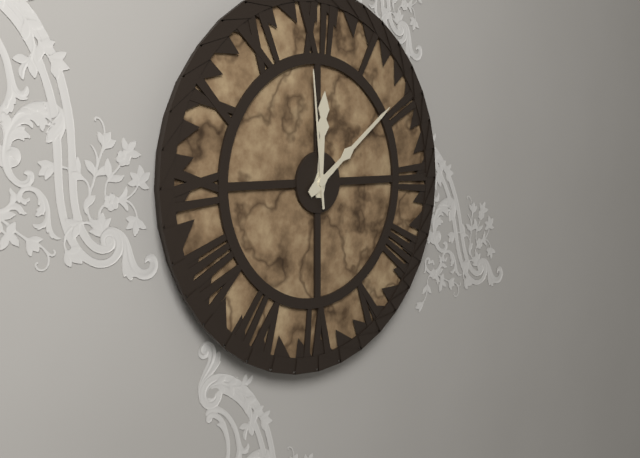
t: 12:09:59
